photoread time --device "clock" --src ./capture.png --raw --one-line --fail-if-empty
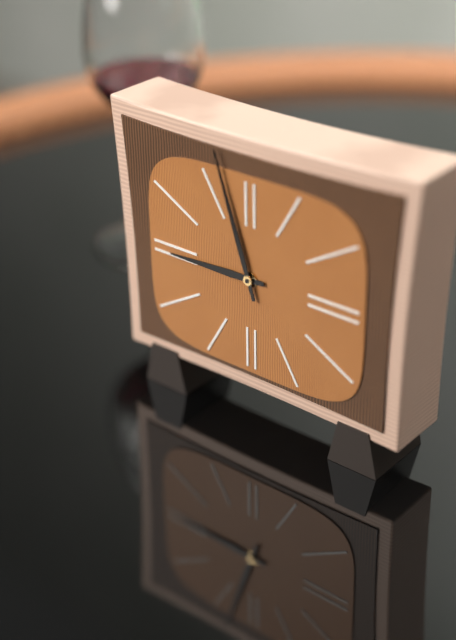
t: 8:57
